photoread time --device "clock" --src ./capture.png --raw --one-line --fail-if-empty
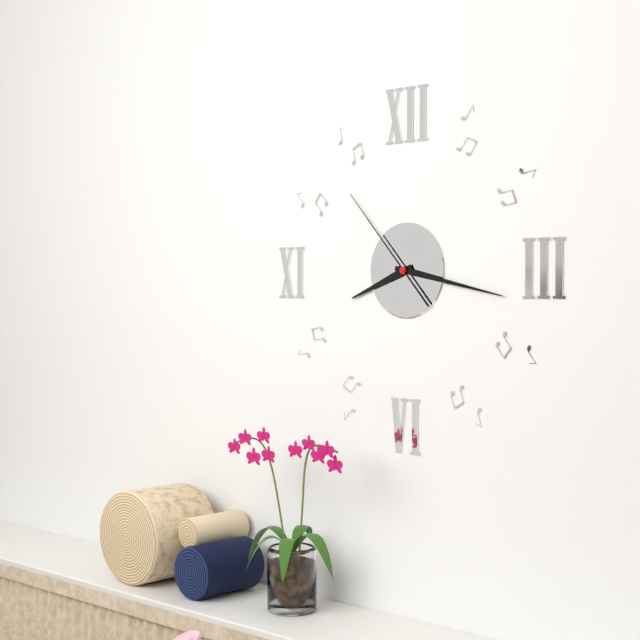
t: 8:17:53
